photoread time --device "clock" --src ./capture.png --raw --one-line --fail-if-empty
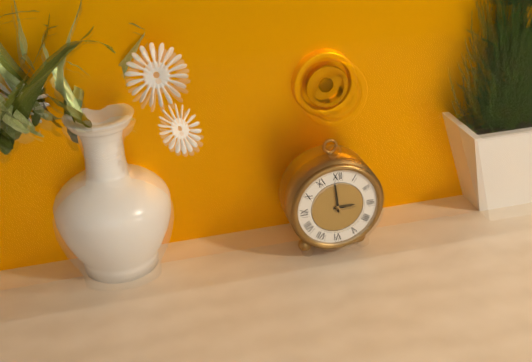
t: 2:59
